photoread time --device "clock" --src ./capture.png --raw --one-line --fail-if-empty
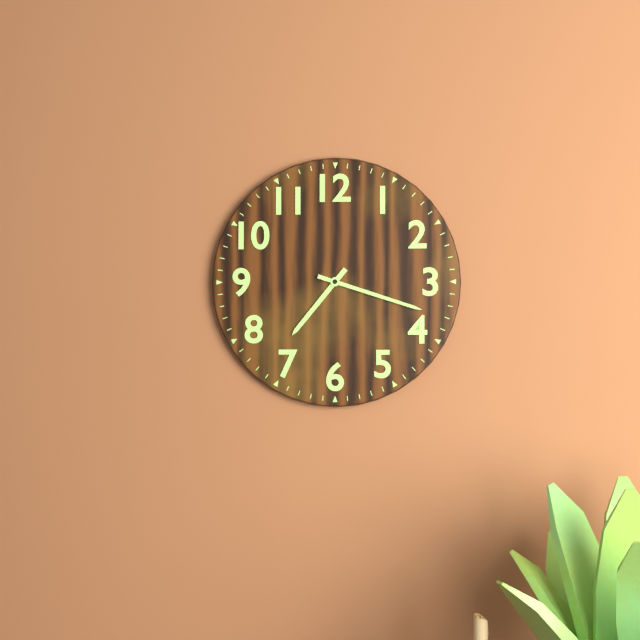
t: 7:18
